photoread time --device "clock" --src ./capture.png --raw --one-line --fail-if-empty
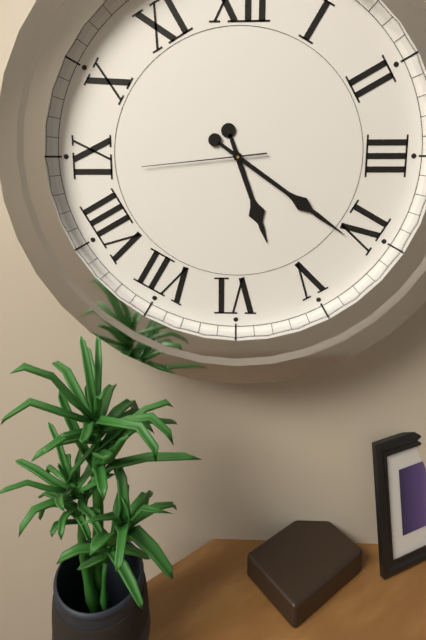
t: 5:21:44
